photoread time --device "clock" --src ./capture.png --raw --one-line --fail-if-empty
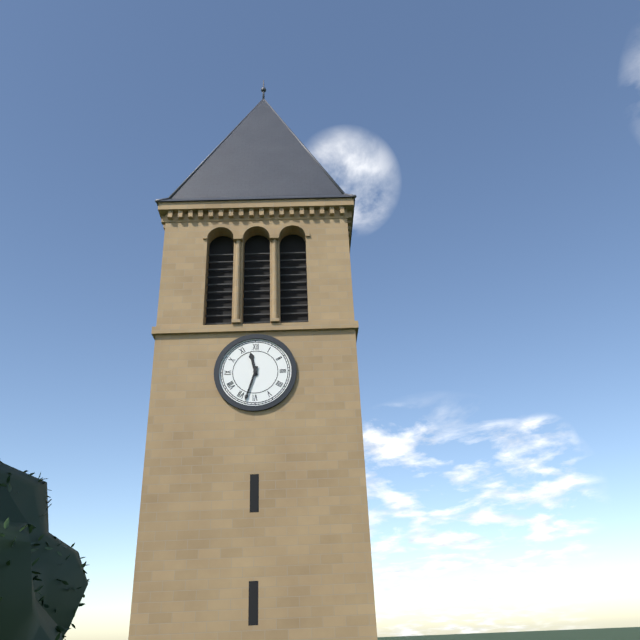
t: 11:33
